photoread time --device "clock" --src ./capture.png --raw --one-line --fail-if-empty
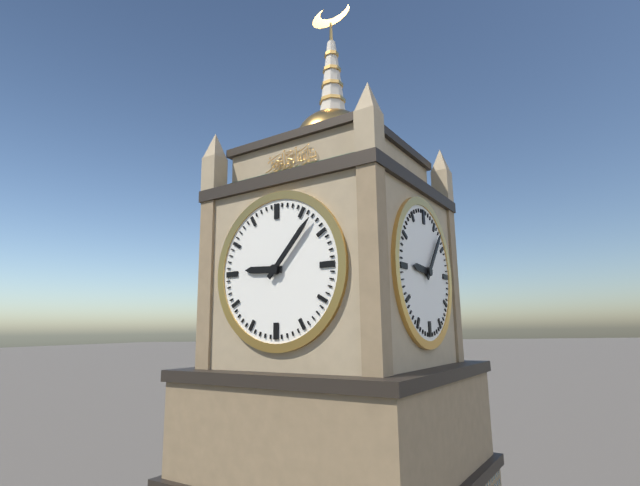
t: 9:07
